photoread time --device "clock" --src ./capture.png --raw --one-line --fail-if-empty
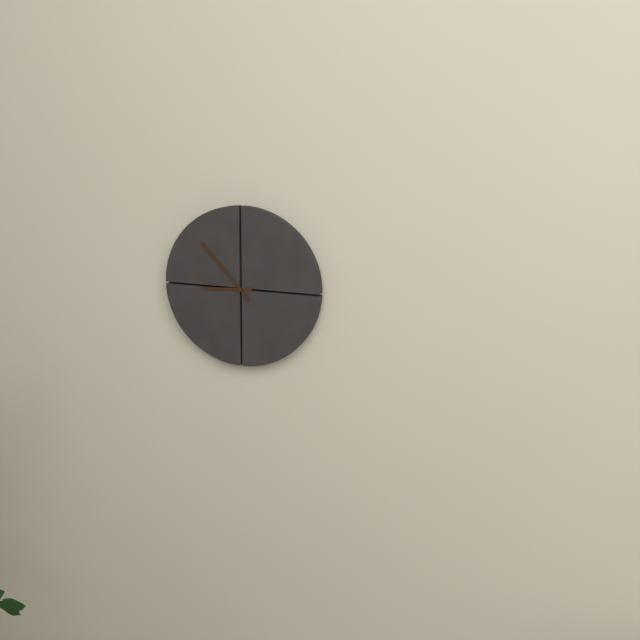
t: 8:53
